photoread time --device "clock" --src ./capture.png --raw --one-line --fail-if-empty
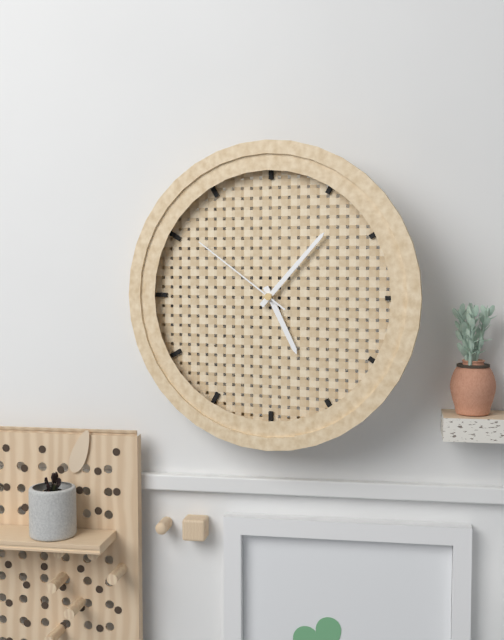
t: 5:07:51
